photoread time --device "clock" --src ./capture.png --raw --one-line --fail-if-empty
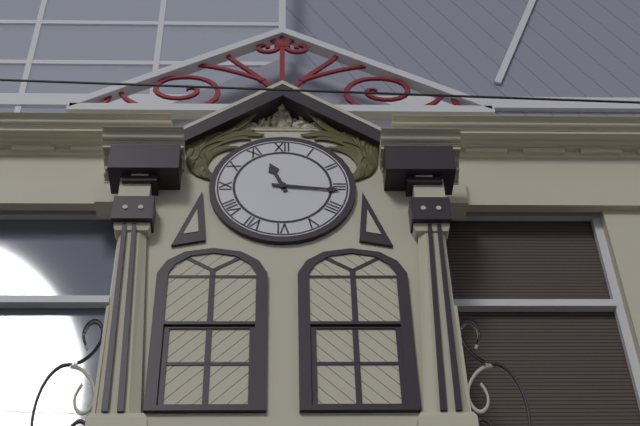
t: 11:16
